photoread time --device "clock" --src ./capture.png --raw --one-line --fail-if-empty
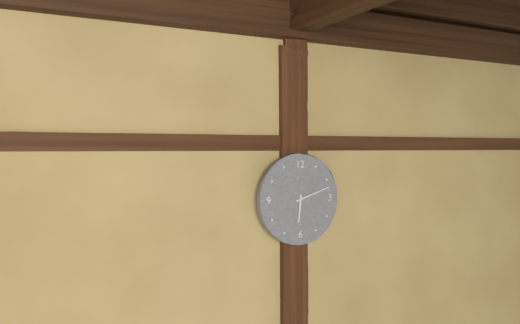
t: 6:12
